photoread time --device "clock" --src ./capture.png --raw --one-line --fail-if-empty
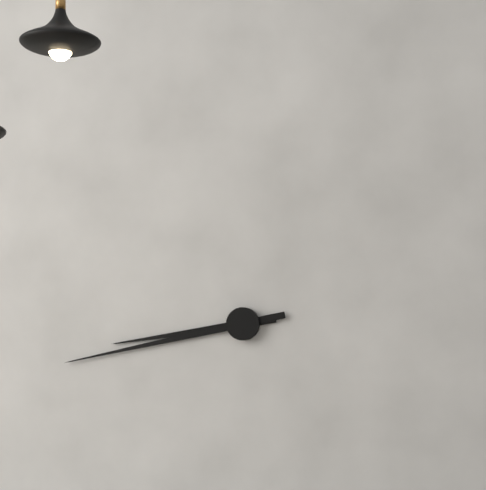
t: 8:43
